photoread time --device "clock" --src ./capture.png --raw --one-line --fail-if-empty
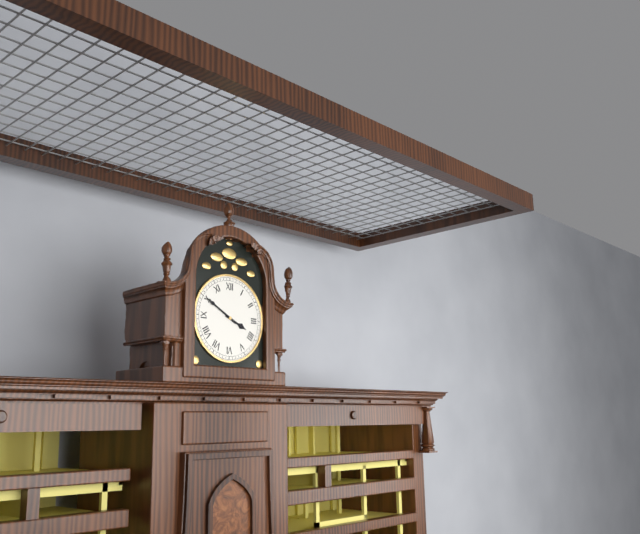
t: 3:50
